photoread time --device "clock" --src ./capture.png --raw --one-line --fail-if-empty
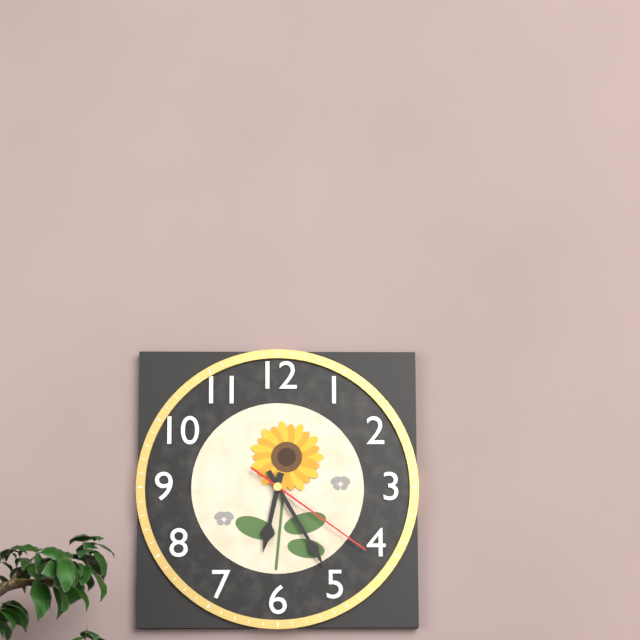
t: 6:25:21
